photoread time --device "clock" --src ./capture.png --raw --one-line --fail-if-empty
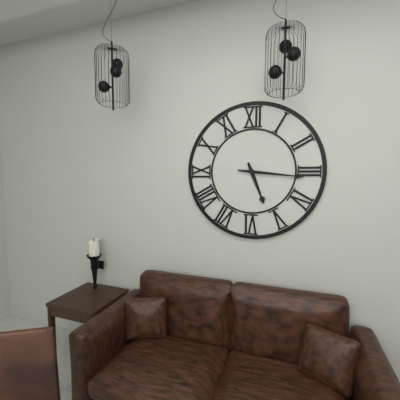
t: 5:16
